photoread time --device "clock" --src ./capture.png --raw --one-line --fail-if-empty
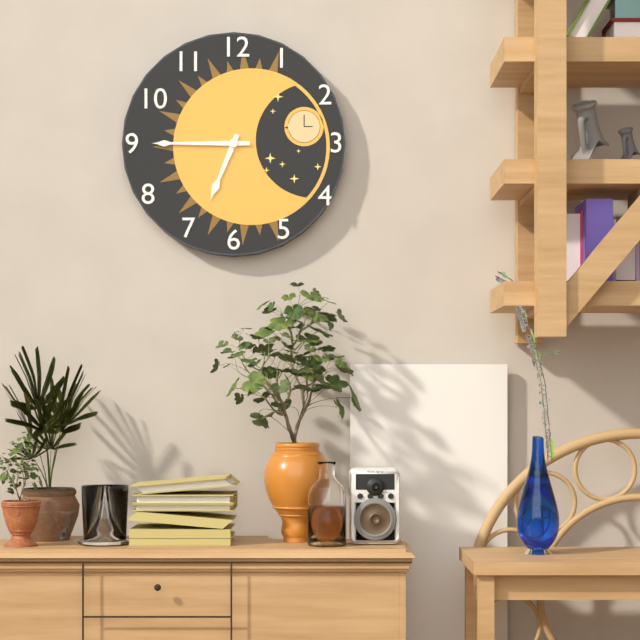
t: 6:45
